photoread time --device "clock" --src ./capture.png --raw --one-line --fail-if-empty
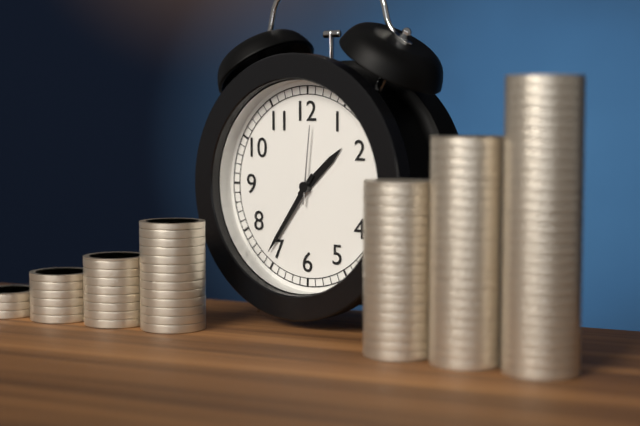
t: 1:36:01
